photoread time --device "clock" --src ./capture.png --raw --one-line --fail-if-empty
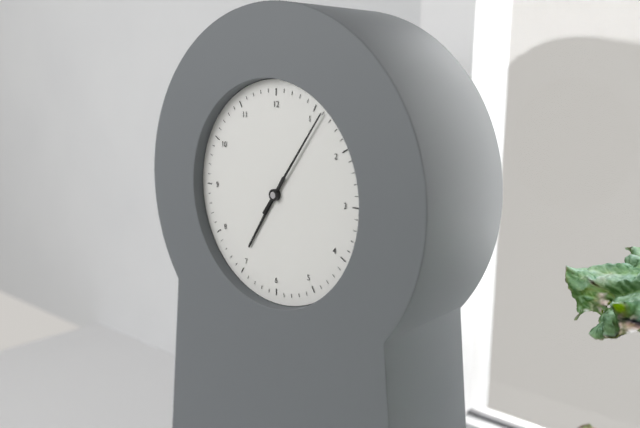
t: 7:06
